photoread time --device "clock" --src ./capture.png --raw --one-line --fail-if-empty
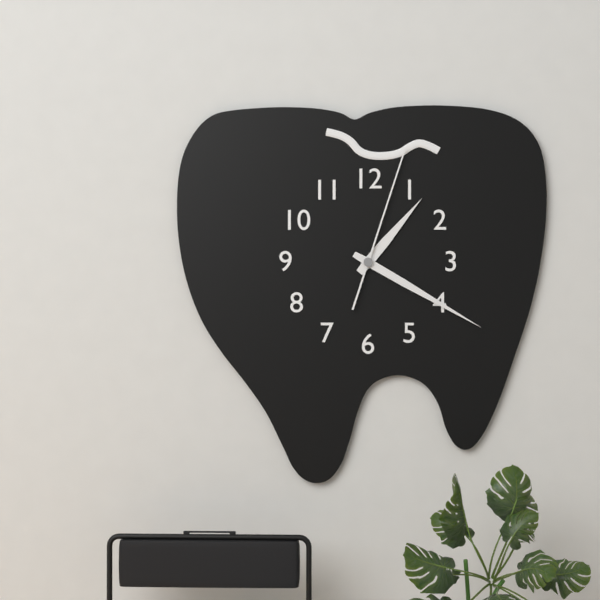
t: 1:20:03
